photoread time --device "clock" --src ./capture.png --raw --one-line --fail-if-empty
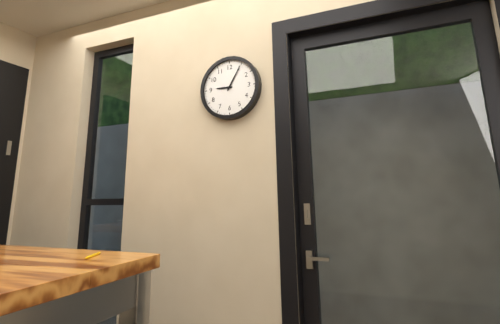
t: 9:05
